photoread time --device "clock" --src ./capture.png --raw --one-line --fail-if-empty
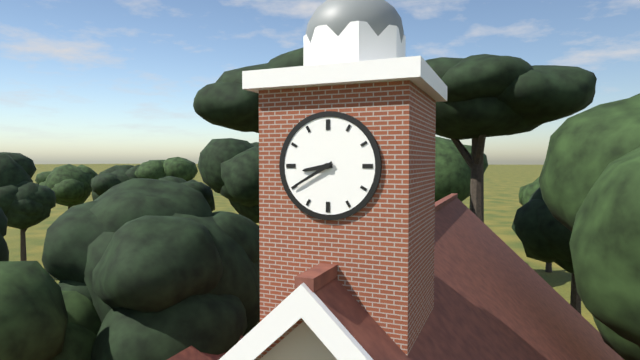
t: 8:40
